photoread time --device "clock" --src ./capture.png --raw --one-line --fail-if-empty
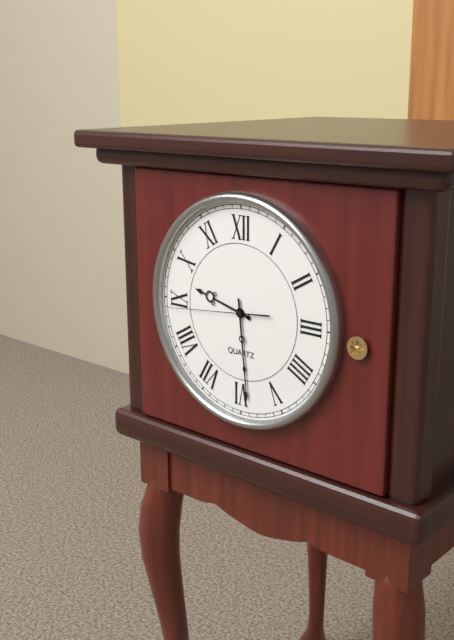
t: 9:29:44
